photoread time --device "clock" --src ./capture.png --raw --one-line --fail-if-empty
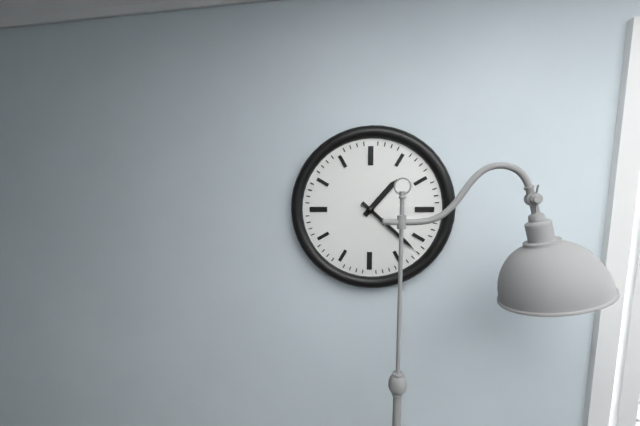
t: 1:22
